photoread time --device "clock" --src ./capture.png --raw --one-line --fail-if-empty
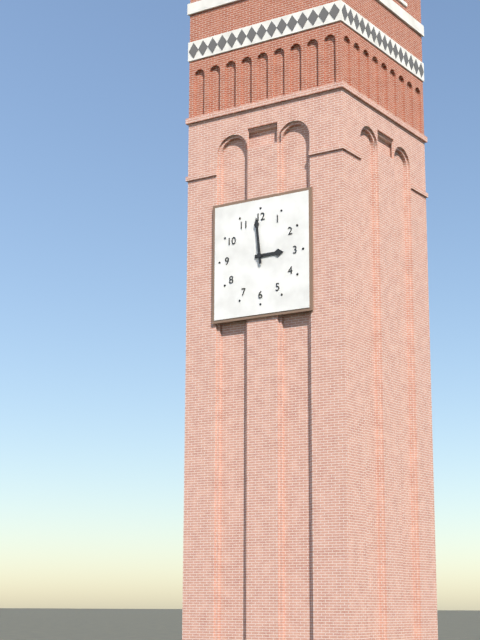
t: 2:59
